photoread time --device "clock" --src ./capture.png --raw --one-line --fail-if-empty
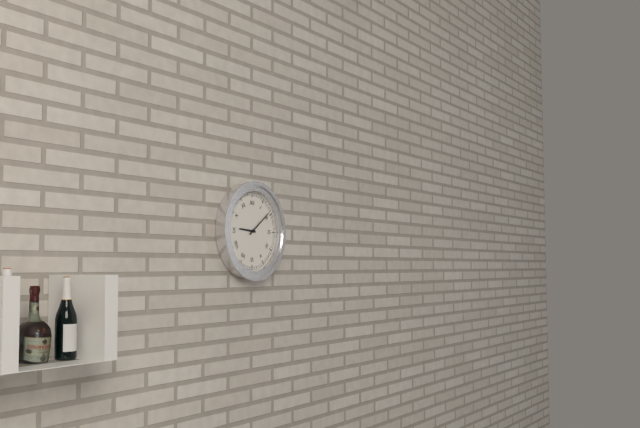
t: 9:09
